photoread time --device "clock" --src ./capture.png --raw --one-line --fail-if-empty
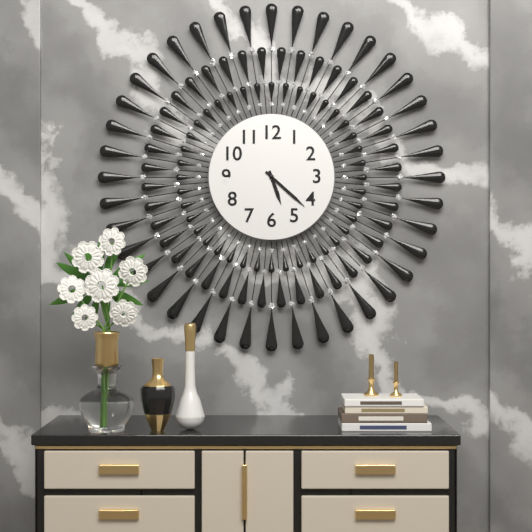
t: 5:22
